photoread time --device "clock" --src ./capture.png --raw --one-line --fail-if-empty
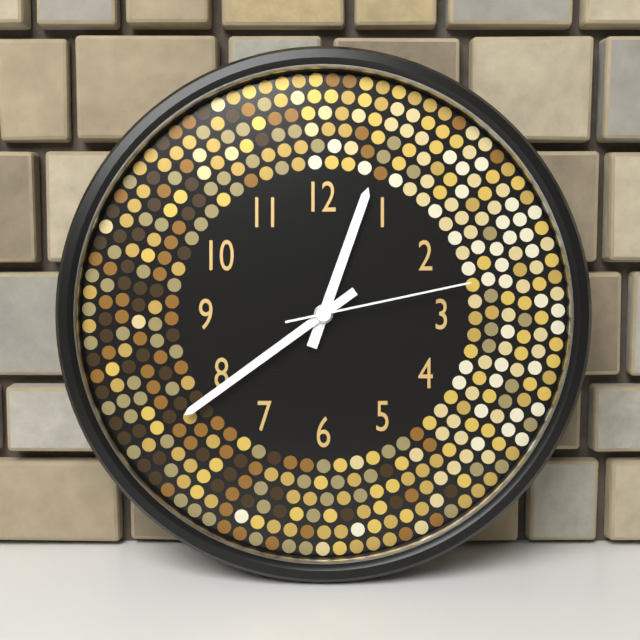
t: 12:39:13
